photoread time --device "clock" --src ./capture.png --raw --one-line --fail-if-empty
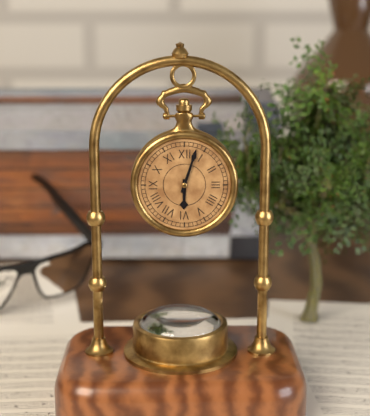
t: 6:03
